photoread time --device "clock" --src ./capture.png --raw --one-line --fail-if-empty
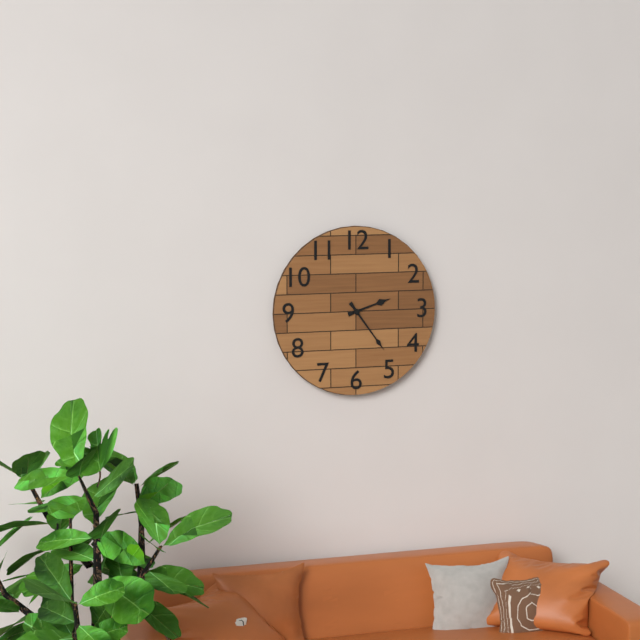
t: 2:24
